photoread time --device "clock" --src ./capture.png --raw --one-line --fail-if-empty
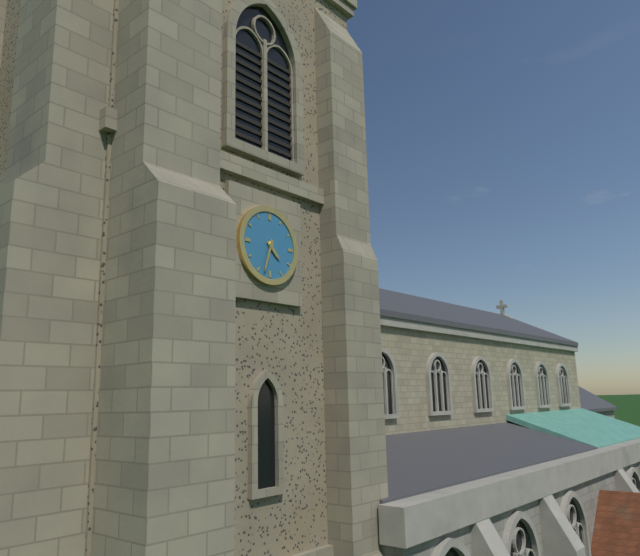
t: 4:33
